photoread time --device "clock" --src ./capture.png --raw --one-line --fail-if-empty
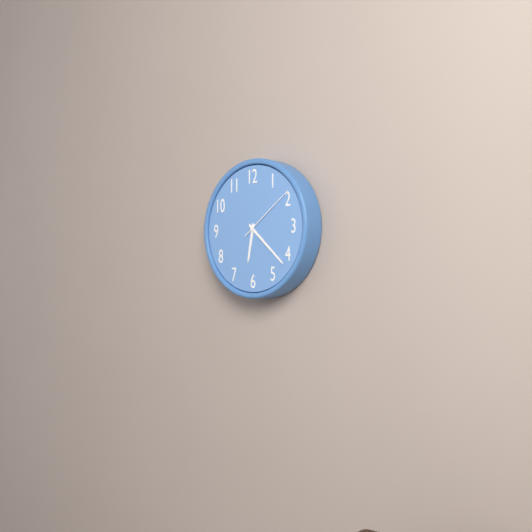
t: 6:22:09
